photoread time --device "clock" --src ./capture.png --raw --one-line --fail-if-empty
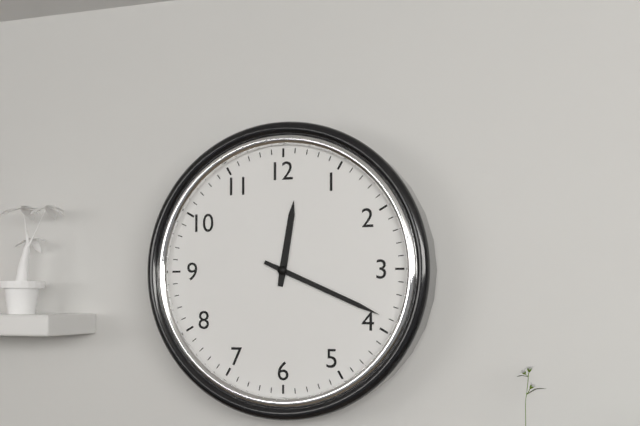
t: 12:19
